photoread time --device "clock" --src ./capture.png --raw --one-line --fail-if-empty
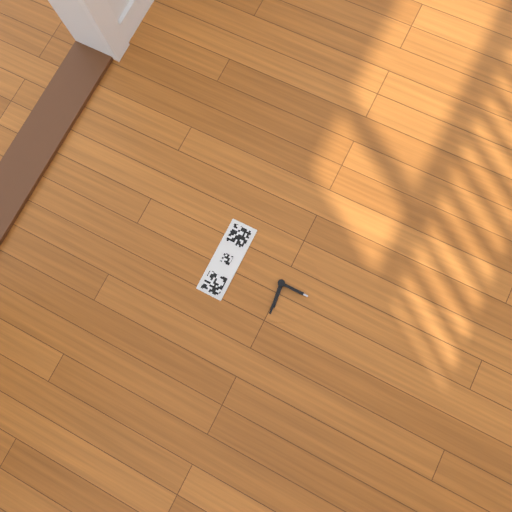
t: 8:44
